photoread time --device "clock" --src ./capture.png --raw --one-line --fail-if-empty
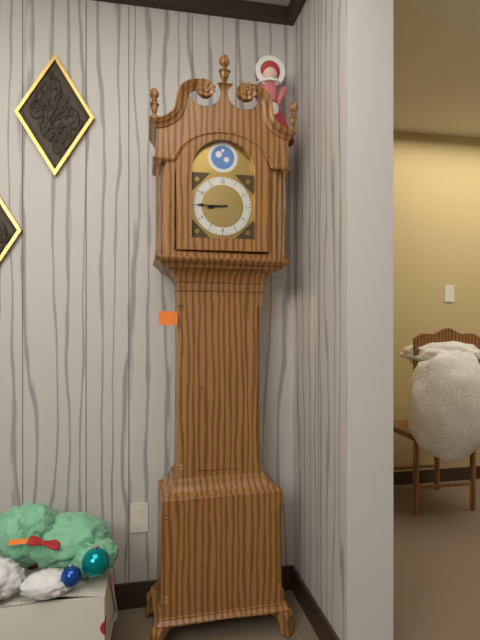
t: 8:45
